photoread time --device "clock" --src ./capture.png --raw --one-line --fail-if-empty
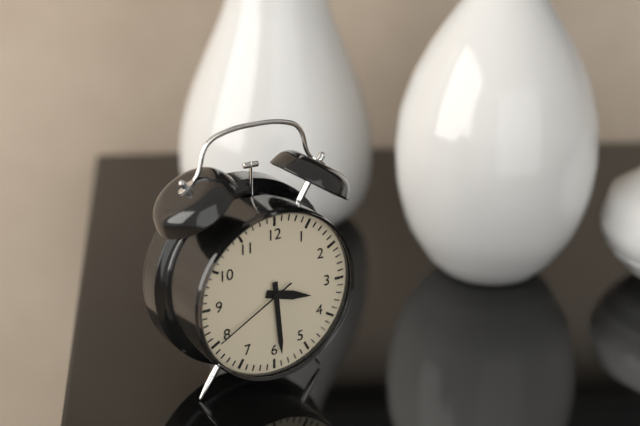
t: 3:29:40
